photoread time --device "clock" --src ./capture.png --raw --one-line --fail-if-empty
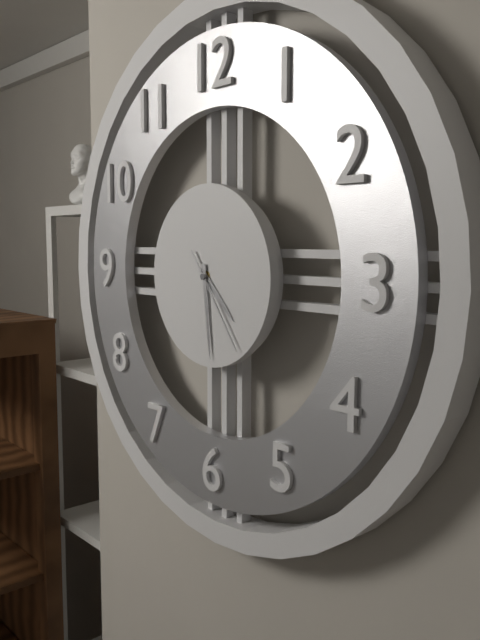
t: 4:29:24
